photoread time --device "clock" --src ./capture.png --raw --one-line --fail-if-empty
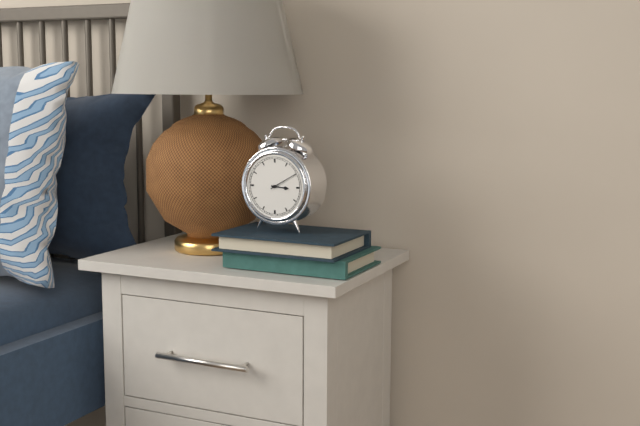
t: 3:10
